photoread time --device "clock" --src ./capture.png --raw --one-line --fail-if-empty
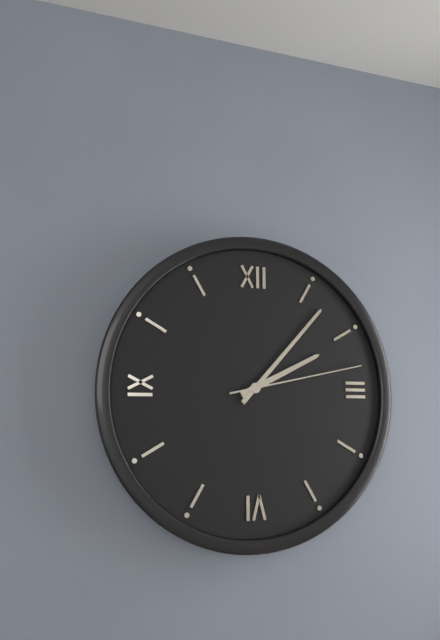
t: 2:07:13
